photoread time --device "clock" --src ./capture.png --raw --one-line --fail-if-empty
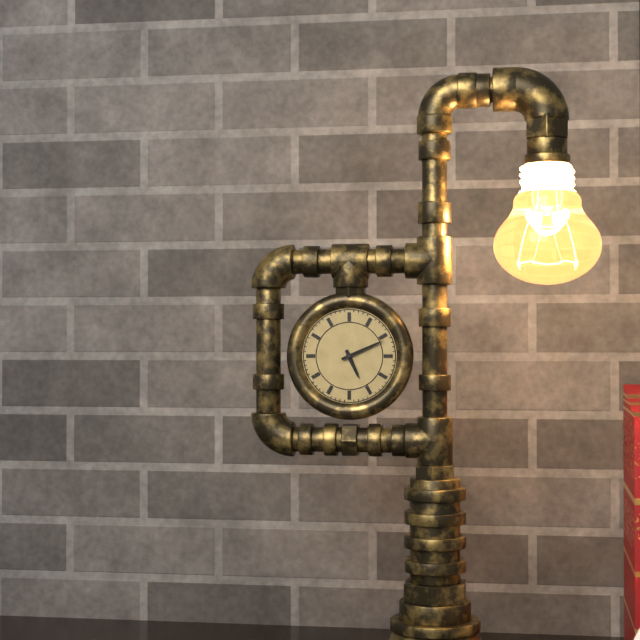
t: 5:11
